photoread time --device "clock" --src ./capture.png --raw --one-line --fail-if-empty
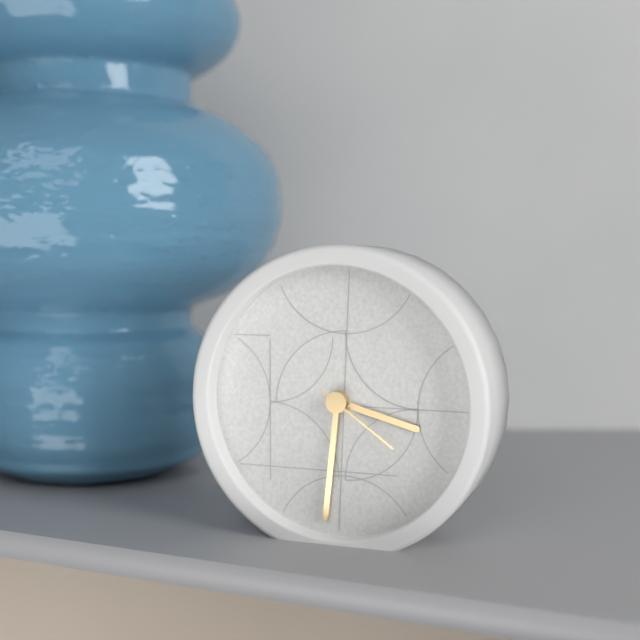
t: 3:31:21
